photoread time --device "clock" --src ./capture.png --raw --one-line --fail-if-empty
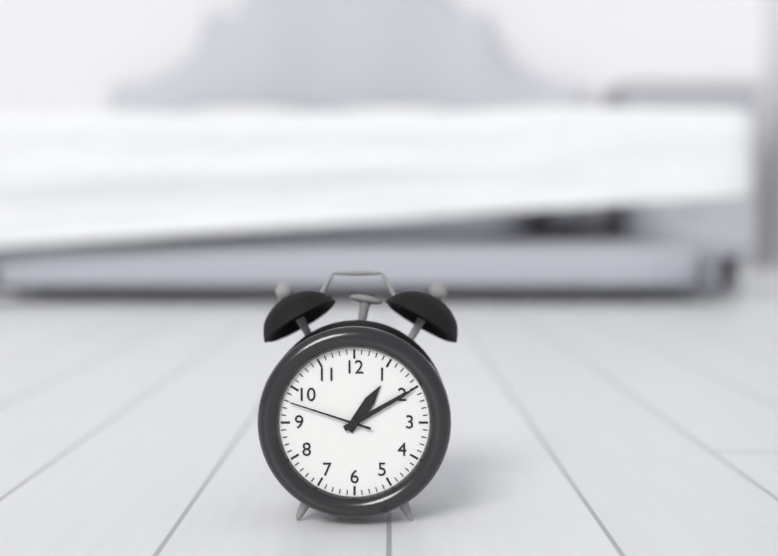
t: 1:10:48
